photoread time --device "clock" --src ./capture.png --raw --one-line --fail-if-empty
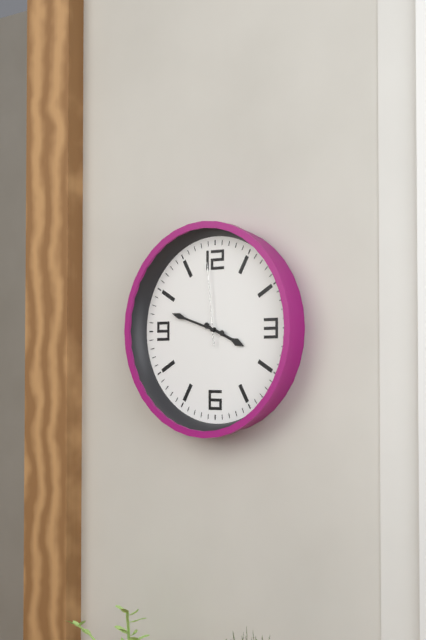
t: 3:48:59
